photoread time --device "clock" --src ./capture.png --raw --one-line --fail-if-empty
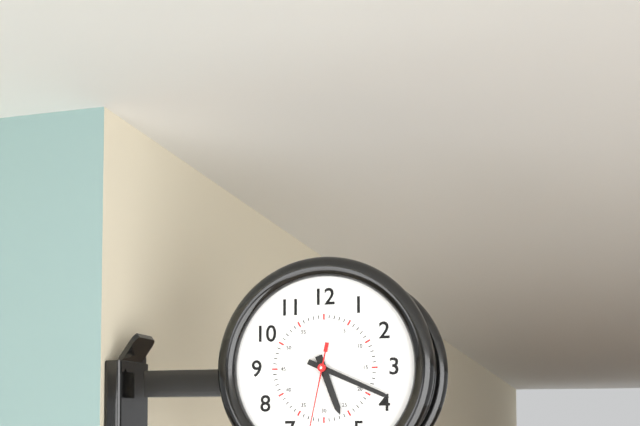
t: 5:19
